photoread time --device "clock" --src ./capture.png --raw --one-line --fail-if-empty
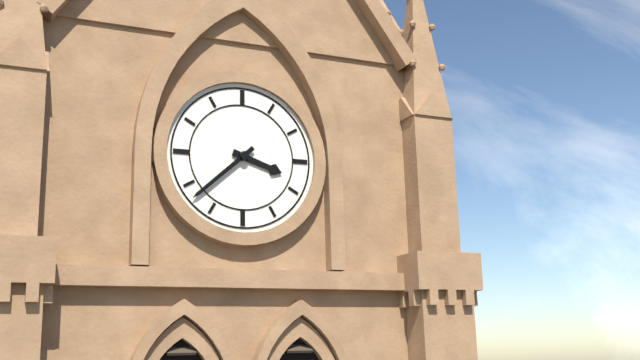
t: 3:38
